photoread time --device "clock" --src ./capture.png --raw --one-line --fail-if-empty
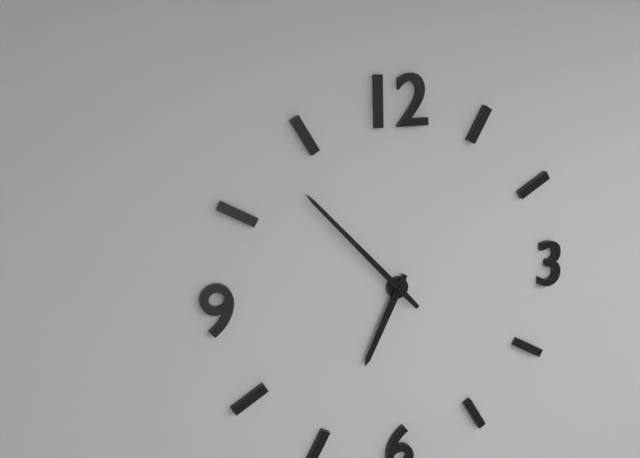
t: 6:53
